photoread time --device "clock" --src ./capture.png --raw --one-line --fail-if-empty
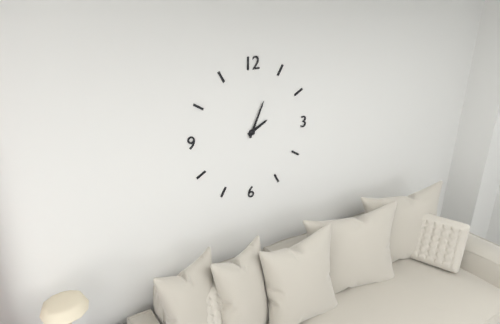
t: 2:04
